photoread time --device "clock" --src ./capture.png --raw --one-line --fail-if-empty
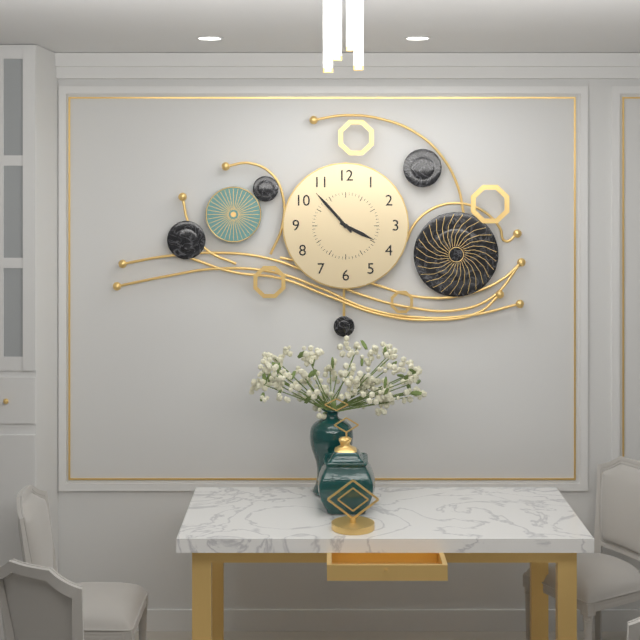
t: 3:53
